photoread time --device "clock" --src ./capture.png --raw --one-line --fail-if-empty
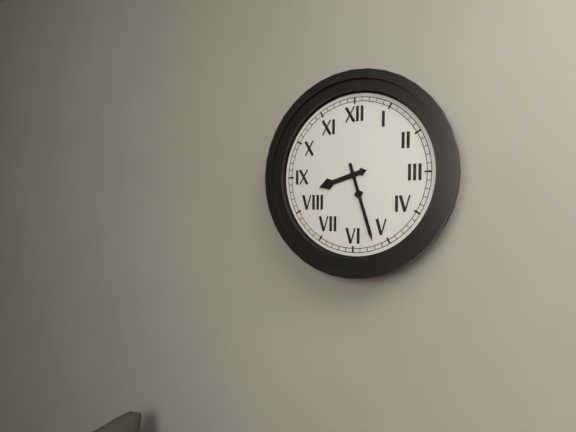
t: 8:27
